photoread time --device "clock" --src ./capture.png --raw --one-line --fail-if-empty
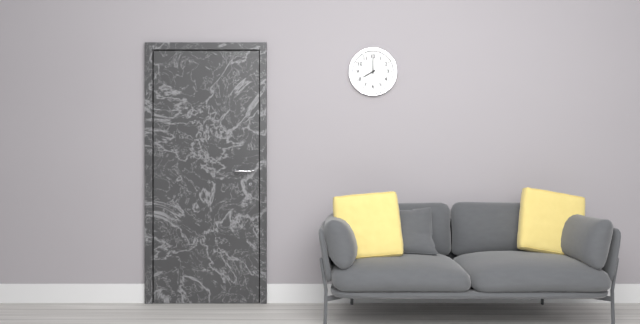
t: 8:00
